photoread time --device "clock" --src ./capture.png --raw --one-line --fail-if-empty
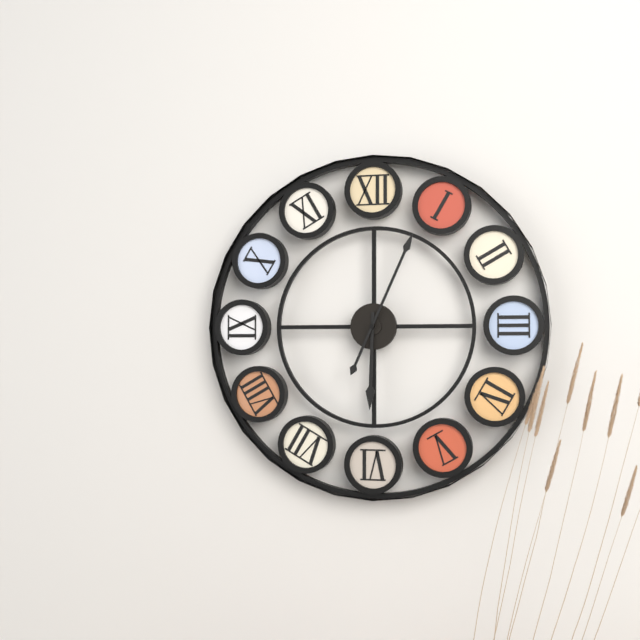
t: 6:04
